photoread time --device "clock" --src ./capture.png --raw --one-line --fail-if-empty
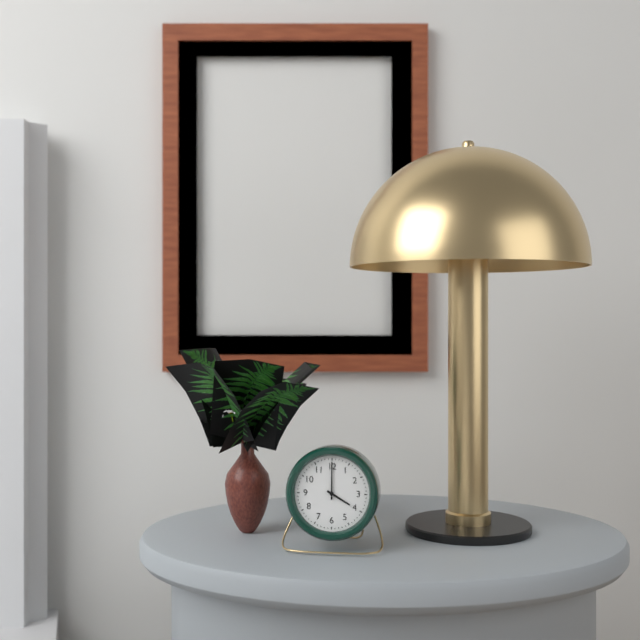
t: 4:00
